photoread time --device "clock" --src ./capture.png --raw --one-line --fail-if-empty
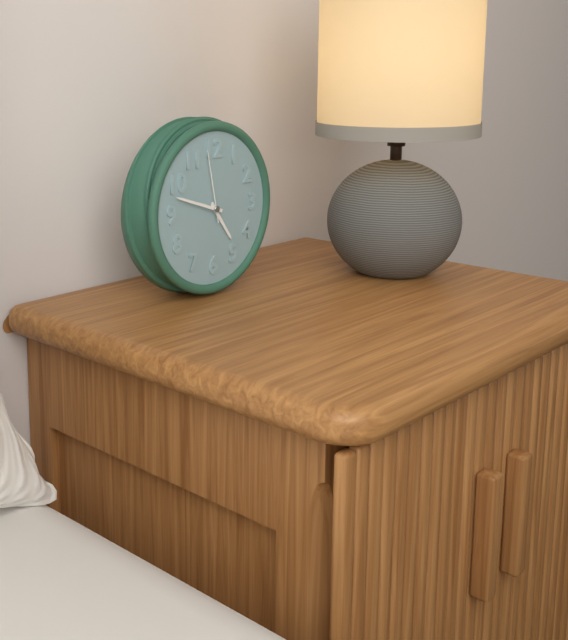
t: 4:48:58
